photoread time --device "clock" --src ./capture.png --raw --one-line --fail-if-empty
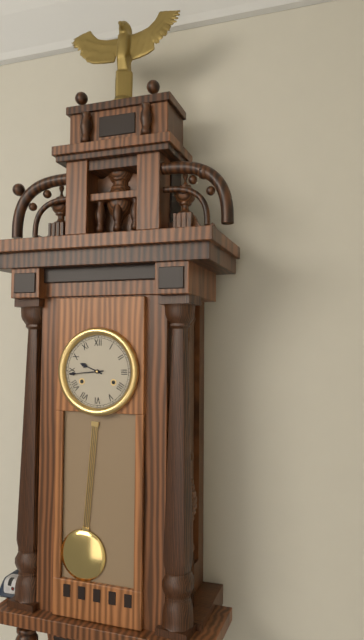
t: 9:44
